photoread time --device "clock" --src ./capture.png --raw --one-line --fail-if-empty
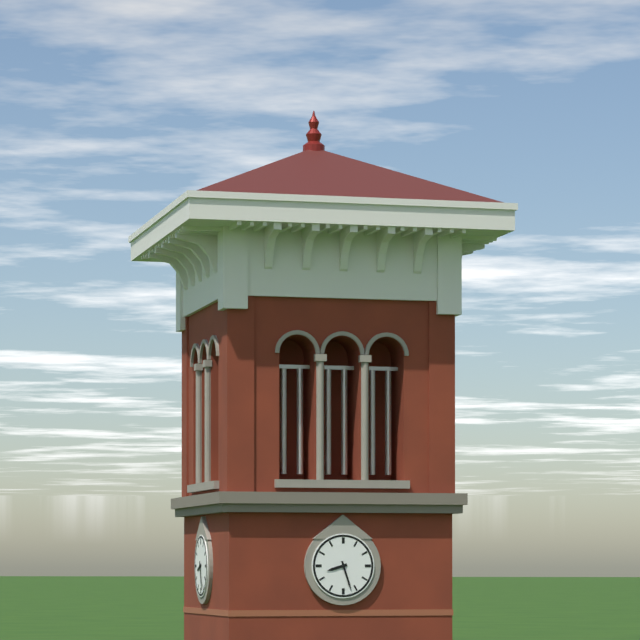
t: 8:27
